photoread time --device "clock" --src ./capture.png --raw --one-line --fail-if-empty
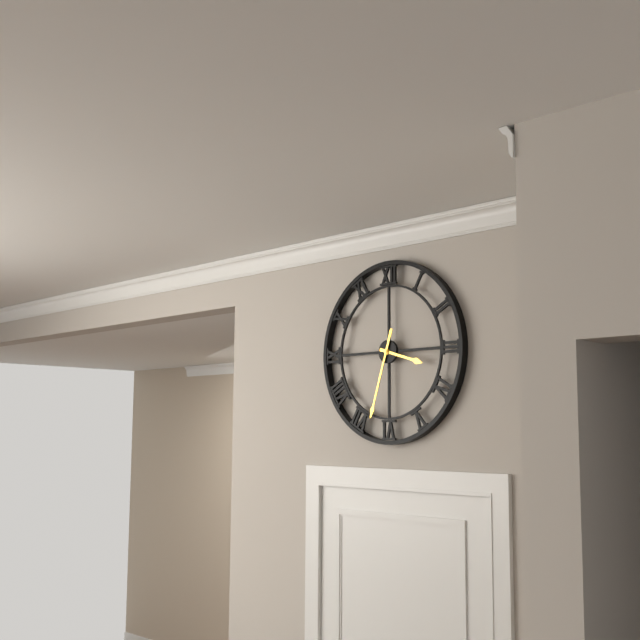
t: 3:33
